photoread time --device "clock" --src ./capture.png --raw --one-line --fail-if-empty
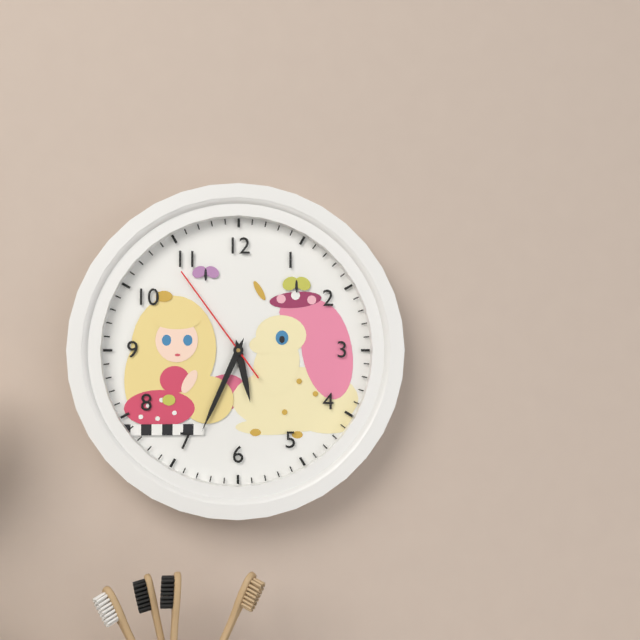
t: 5:34:54
